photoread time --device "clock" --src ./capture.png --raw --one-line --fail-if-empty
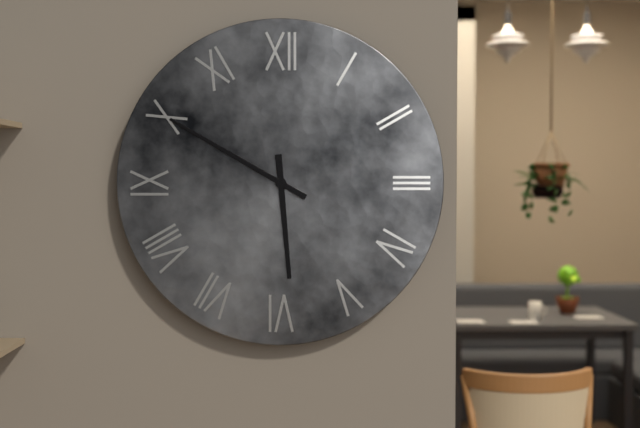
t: 5:50
